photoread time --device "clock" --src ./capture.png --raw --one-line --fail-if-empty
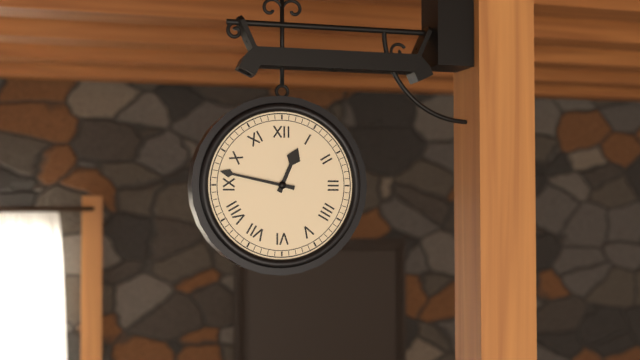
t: 12:47
